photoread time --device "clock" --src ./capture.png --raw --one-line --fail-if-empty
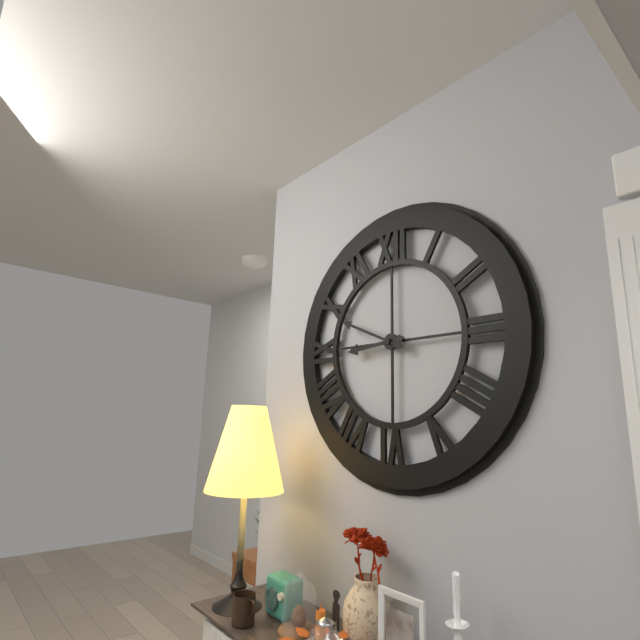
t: 8:49
